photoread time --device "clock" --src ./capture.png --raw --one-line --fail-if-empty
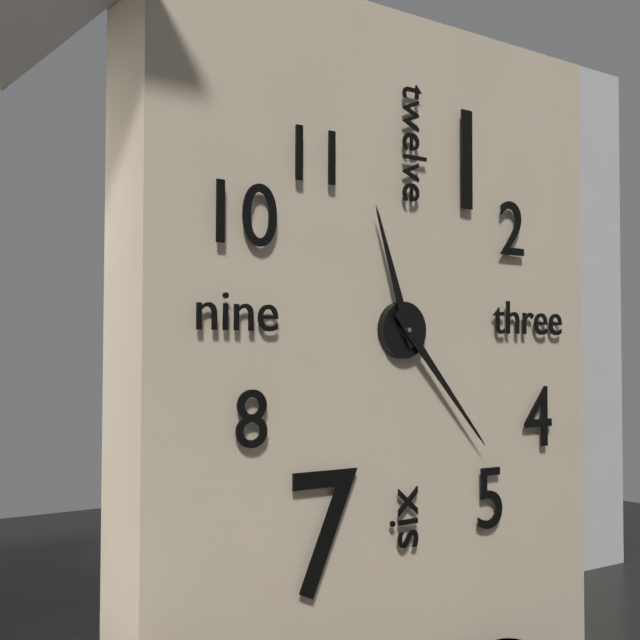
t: 11:23
